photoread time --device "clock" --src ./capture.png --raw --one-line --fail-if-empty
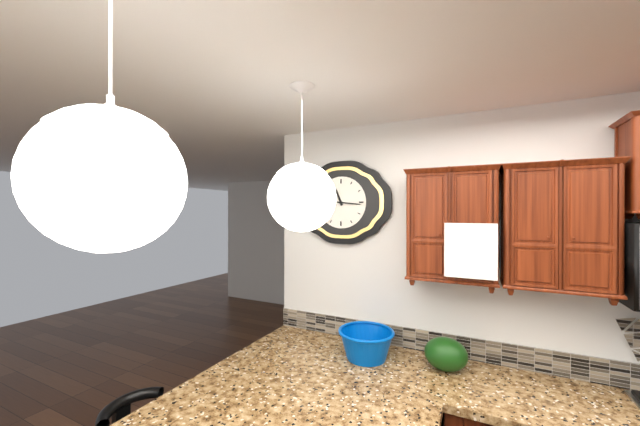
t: 11:16
